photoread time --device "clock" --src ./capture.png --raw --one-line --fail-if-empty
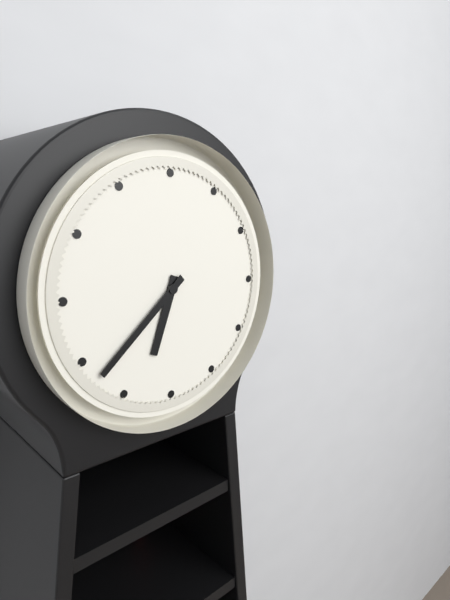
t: 6:38
